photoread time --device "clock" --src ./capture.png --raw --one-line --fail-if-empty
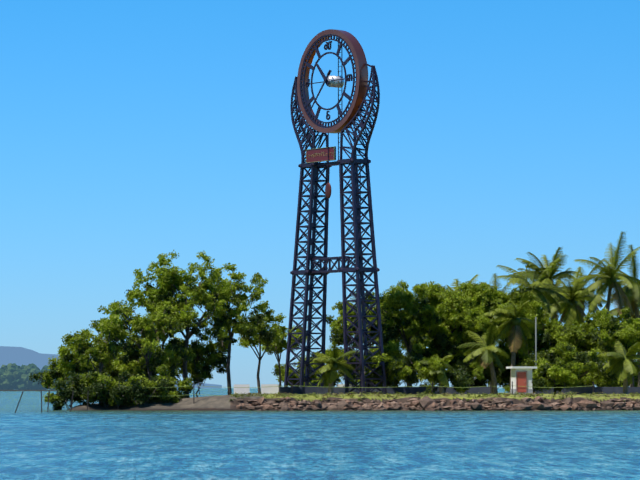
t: 10:37
